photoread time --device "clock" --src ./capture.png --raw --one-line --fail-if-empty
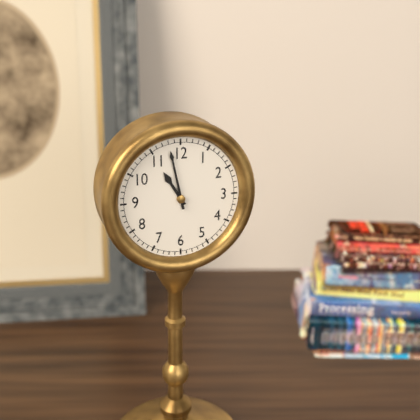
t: 10:58
